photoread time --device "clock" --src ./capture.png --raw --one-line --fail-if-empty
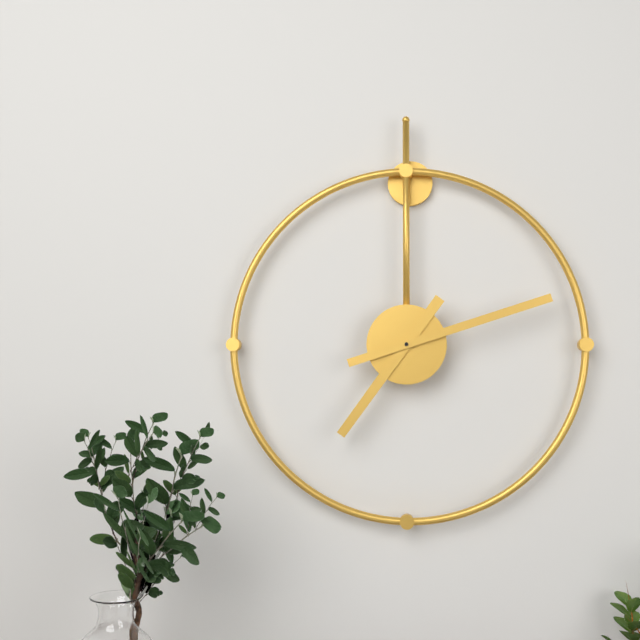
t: 7:12
